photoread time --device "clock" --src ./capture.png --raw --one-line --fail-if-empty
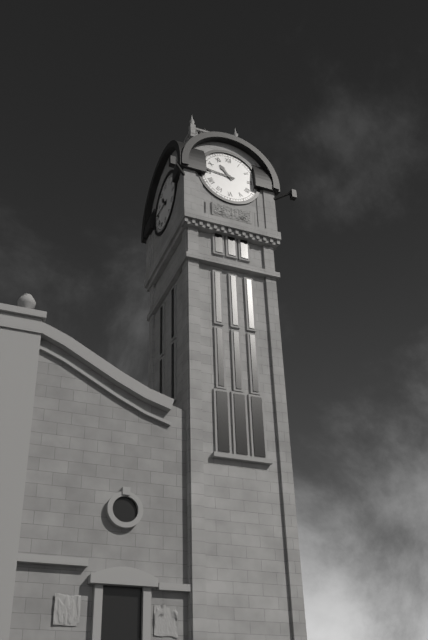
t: 10:46
